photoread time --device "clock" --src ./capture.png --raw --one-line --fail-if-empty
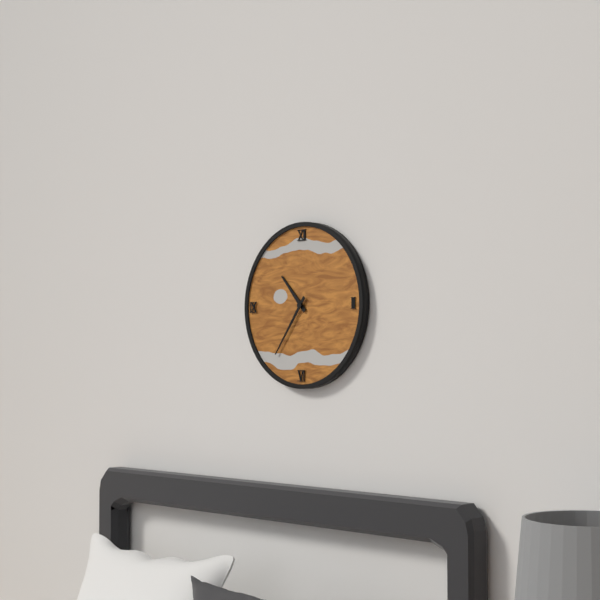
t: 10:36
